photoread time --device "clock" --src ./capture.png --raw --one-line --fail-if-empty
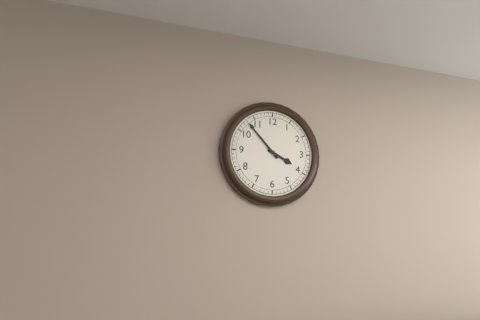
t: 3:53
